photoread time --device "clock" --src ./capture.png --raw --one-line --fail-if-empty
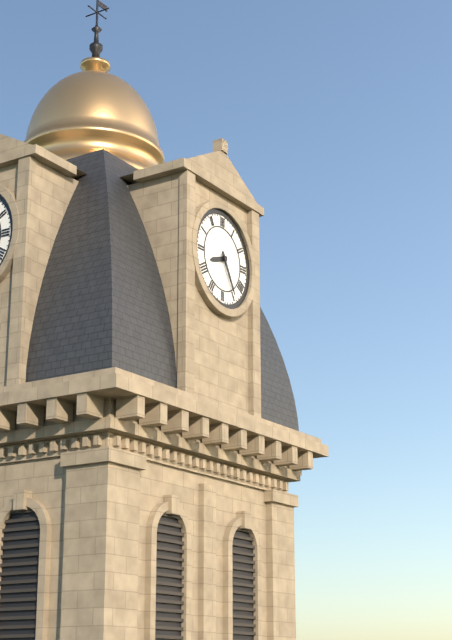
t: 8:25
